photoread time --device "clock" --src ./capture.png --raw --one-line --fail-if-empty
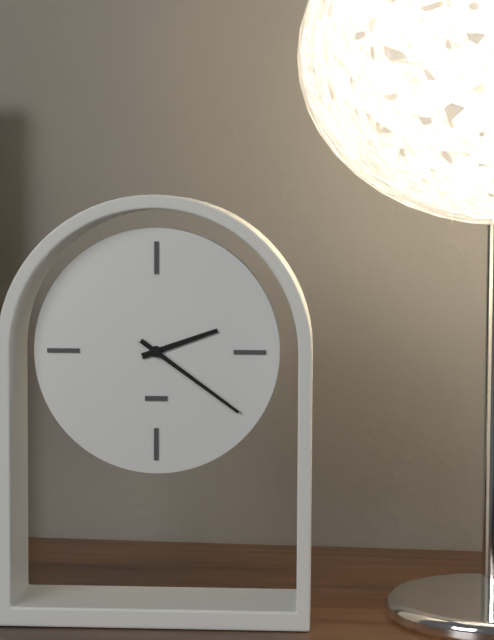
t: 2:21
